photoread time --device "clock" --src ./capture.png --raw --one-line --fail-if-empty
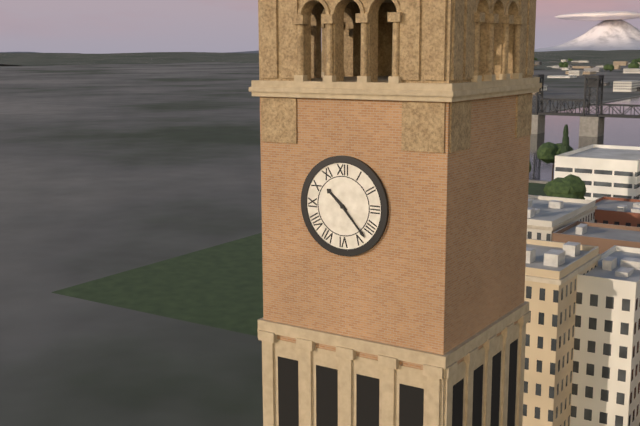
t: 10:23
